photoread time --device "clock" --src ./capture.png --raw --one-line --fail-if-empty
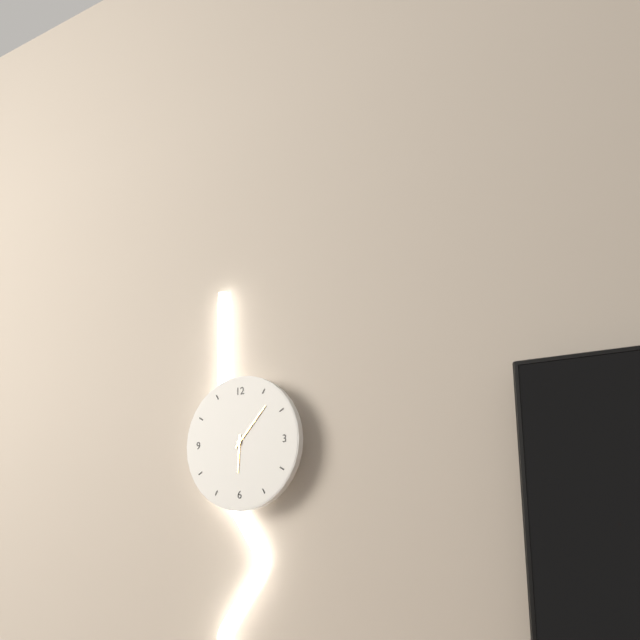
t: 6:07
